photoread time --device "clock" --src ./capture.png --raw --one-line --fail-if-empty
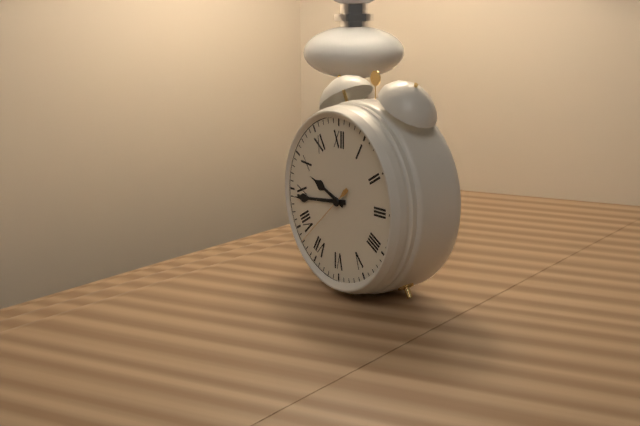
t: 9:44:38
